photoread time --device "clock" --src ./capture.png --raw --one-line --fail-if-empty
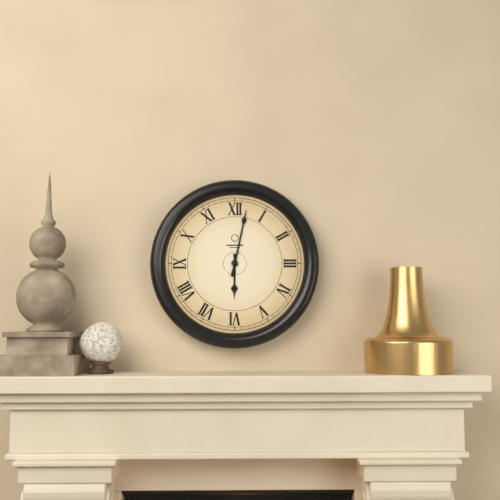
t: 6:02
